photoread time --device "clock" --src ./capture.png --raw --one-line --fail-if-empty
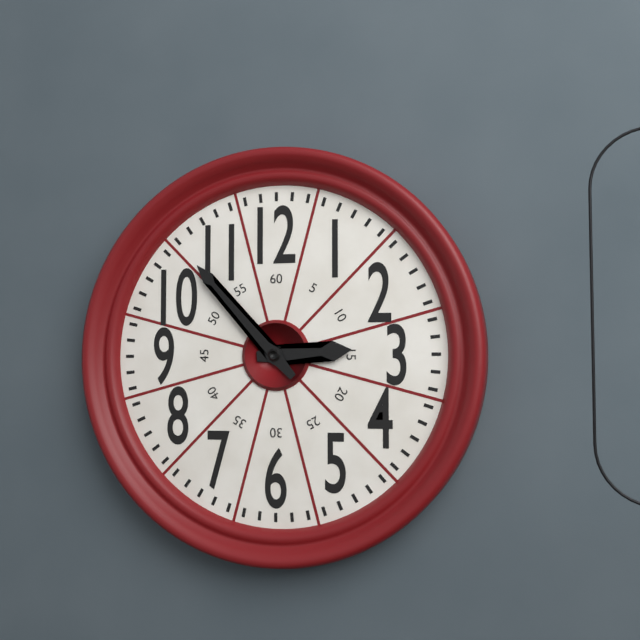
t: 2:53
